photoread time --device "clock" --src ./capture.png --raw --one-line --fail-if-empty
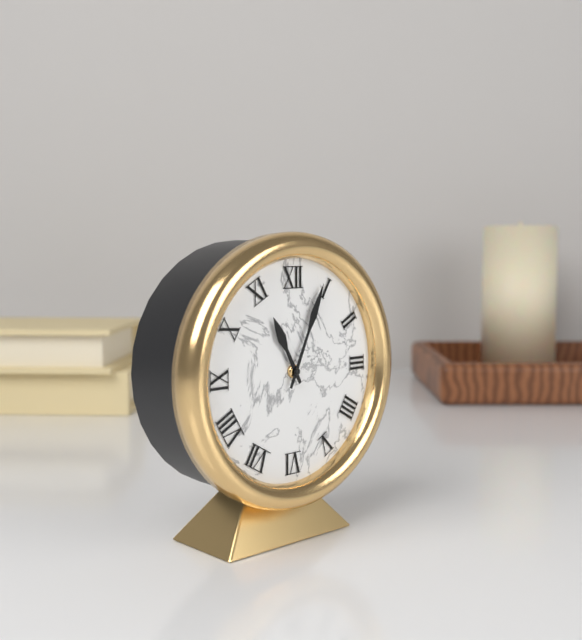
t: 11:04
